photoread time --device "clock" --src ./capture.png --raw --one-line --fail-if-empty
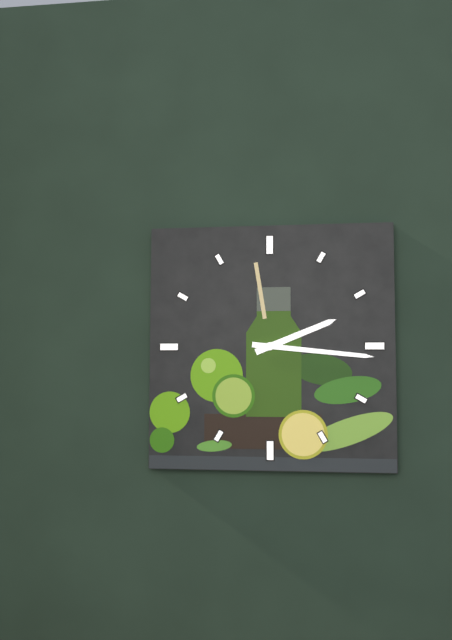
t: 2:16
